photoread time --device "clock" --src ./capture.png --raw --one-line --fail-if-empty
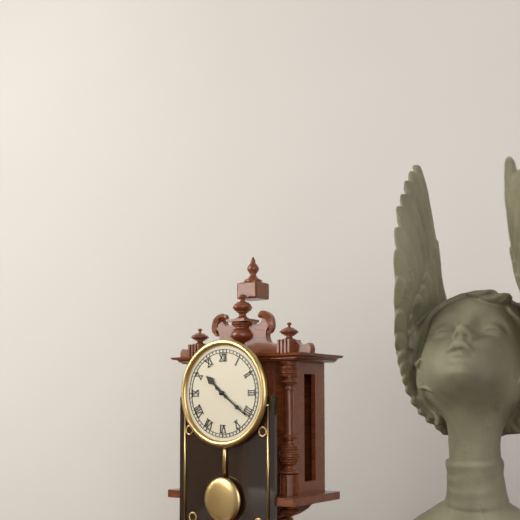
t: 10:21
